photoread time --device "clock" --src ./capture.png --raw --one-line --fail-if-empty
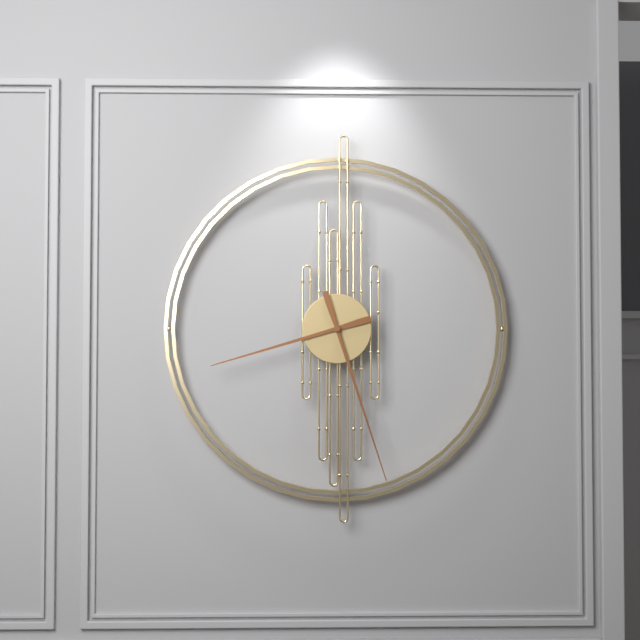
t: 8:27
